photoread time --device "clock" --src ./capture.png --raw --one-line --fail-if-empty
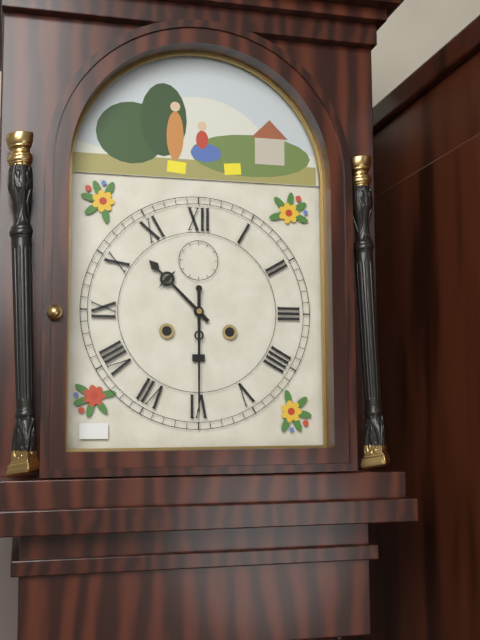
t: 10:30
